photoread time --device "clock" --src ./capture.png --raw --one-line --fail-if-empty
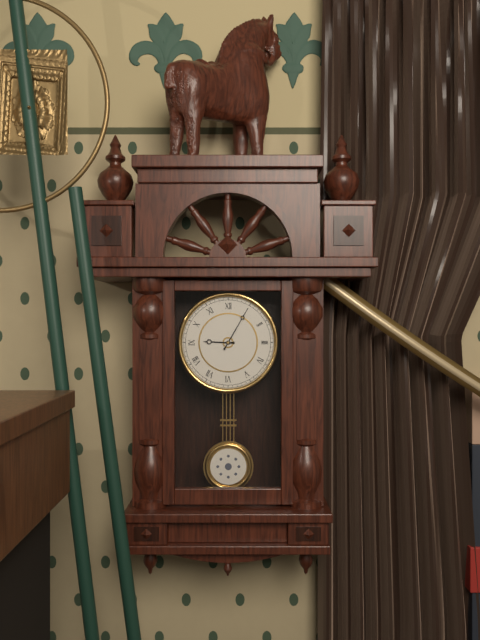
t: 9:05
